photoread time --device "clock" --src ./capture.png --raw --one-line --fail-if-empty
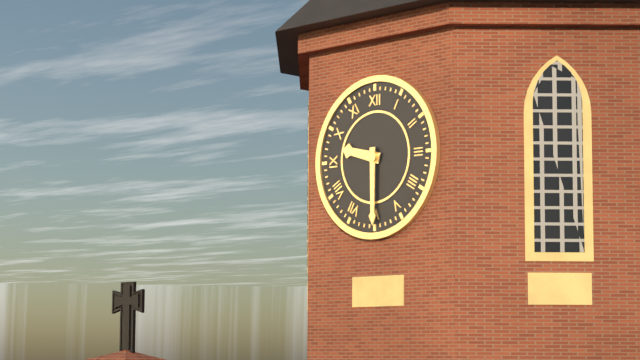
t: 9:30
